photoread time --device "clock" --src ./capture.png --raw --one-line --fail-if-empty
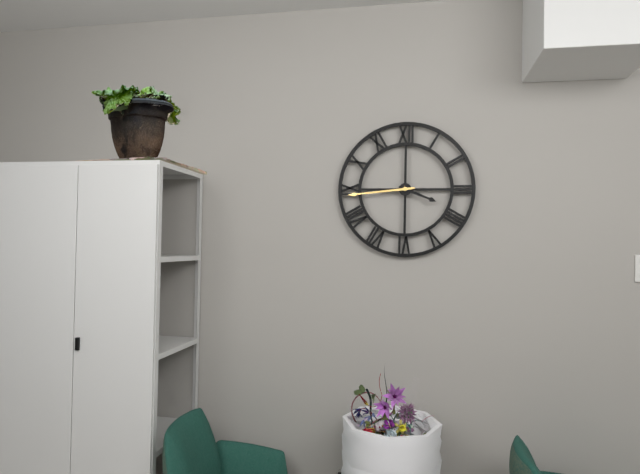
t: 3:44
